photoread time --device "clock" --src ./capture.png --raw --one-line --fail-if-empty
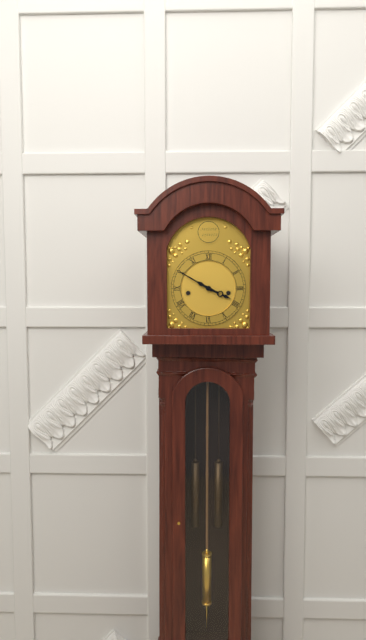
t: 3:50
